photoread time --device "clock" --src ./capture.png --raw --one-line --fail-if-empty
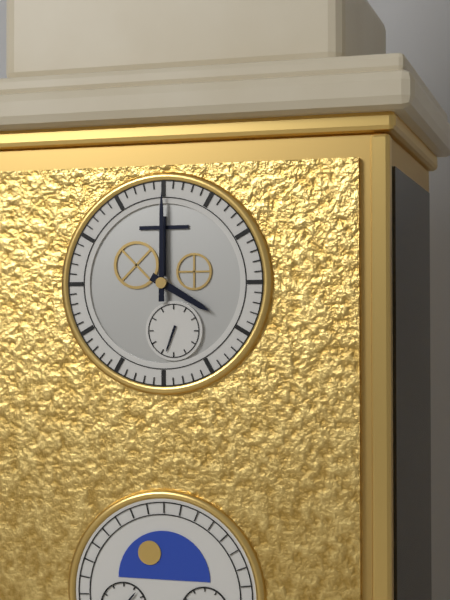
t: 4:00
